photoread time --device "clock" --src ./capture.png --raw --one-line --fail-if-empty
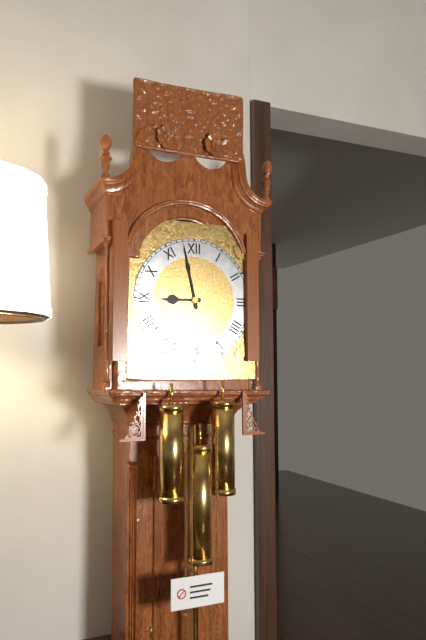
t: 8:58
